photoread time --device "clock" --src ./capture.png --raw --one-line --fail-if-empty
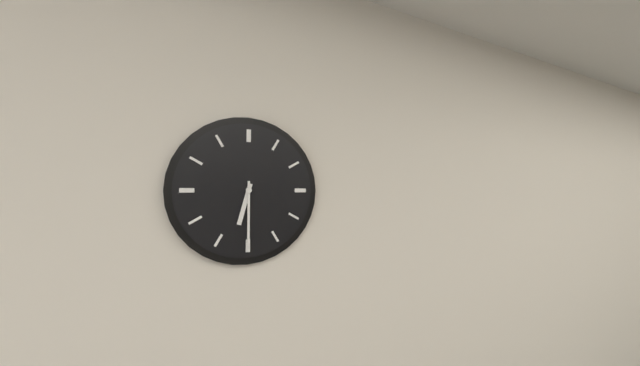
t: 6:30
